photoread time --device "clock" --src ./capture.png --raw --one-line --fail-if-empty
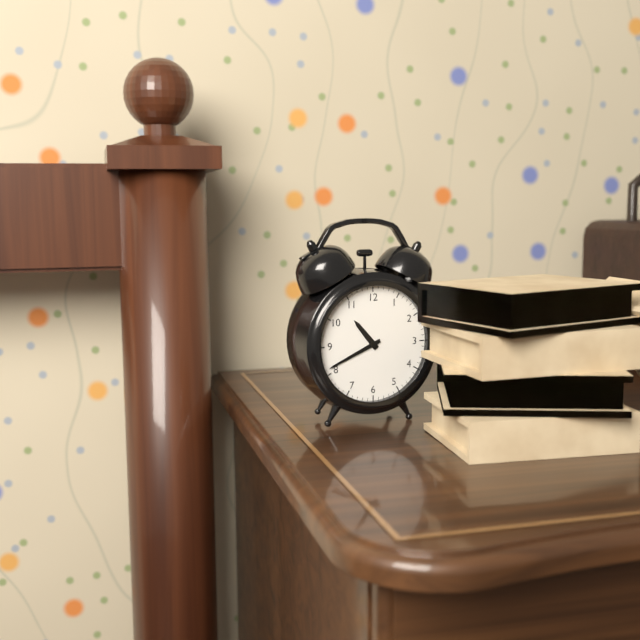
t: 10:41
